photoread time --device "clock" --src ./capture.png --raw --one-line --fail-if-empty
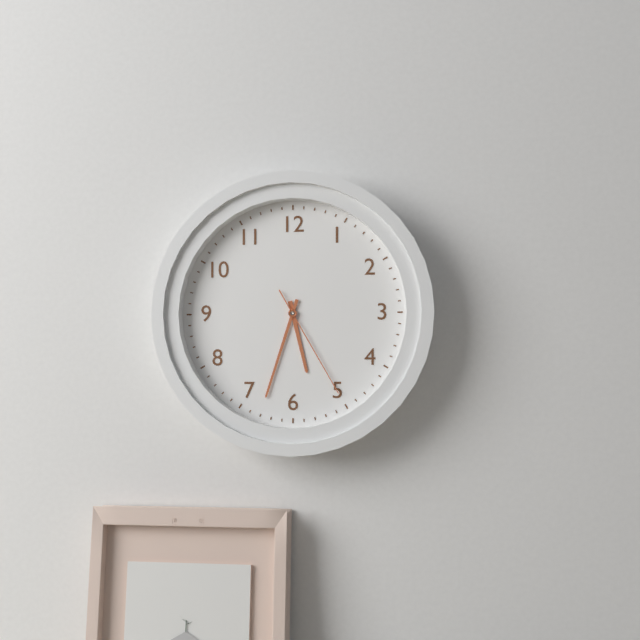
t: 5:33:25
